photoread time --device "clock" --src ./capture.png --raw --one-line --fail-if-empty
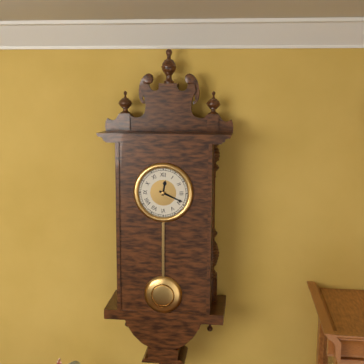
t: 12:19
